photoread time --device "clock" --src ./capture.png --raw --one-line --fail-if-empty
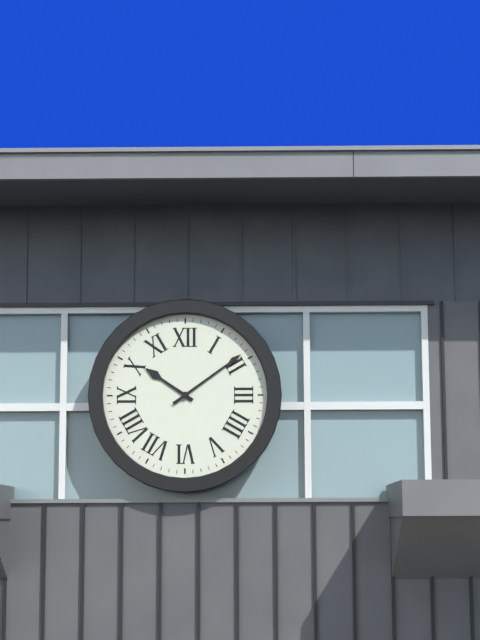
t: 10:09
